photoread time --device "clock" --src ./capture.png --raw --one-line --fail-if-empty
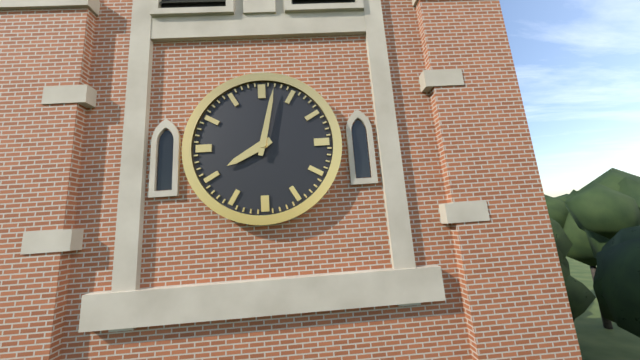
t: 8:02
